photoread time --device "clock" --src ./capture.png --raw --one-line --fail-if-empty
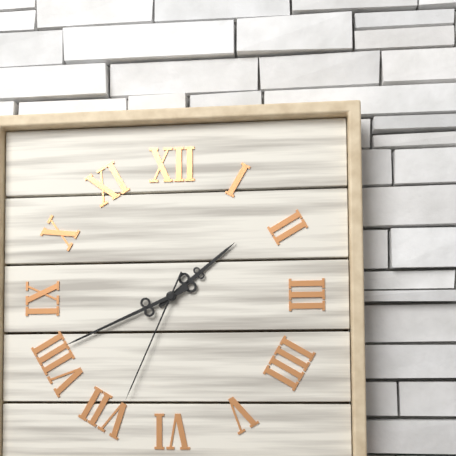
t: 1:41:34
